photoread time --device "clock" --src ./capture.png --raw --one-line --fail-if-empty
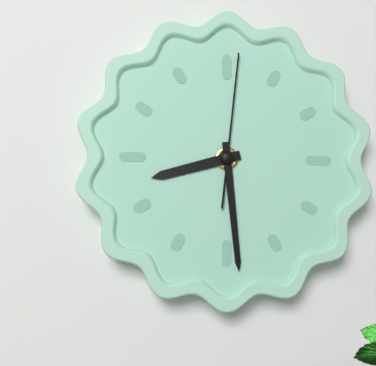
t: 8:29:01
